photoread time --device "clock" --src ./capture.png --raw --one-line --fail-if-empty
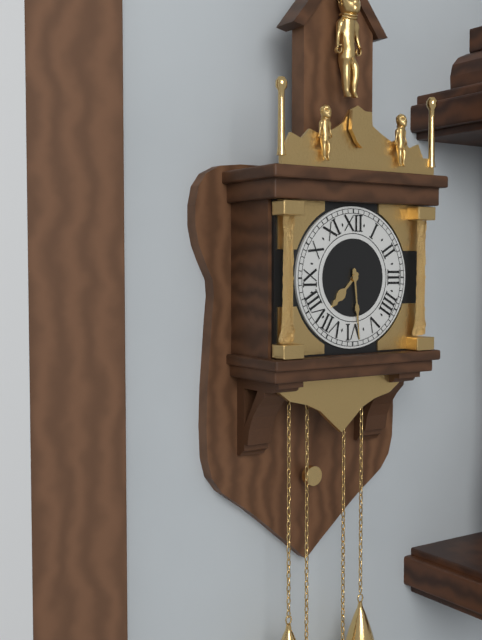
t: 7:29
